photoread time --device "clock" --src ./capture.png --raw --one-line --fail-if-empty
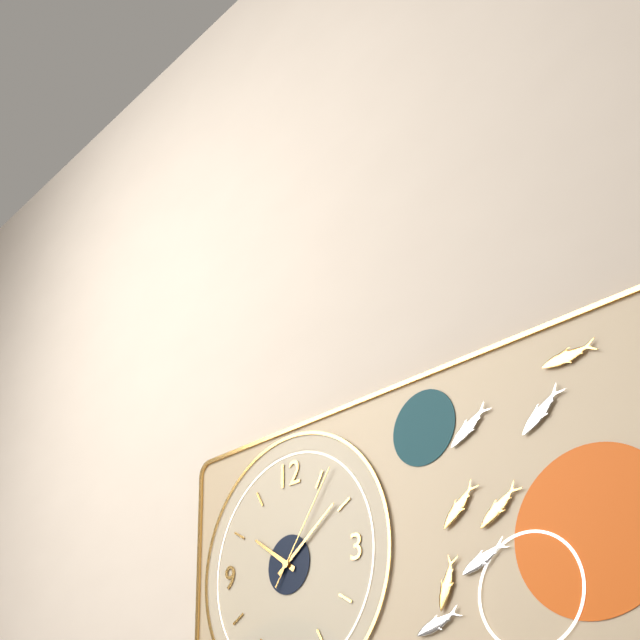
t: 10:09:06
